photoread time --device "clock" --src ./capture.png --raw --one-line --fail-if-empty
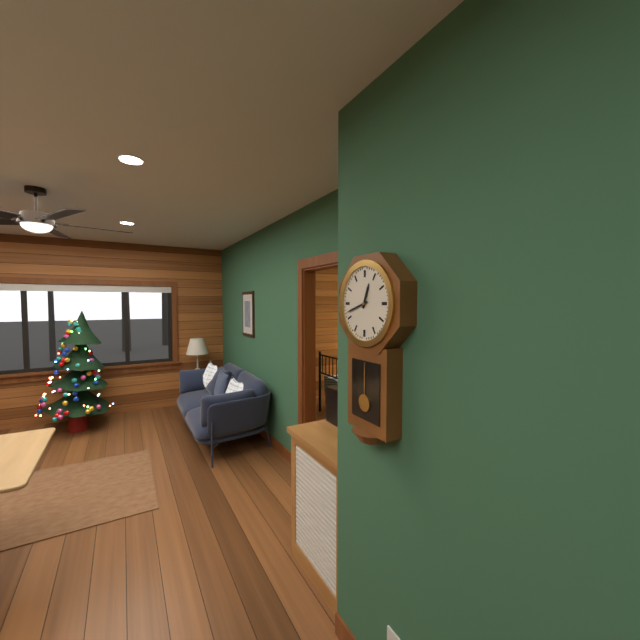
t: 12:42
